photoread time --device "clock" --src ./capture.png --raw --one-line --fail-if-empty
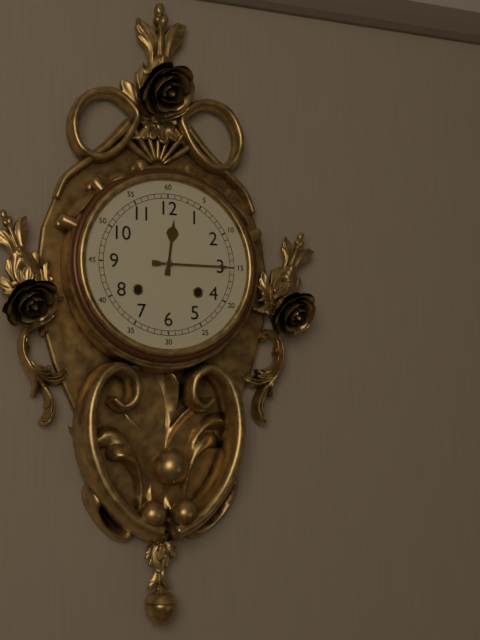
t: 12:15
